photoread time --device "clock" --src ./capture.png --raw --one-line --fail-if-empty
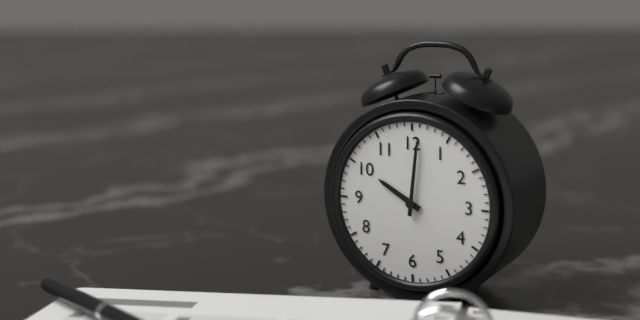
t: 10:01
